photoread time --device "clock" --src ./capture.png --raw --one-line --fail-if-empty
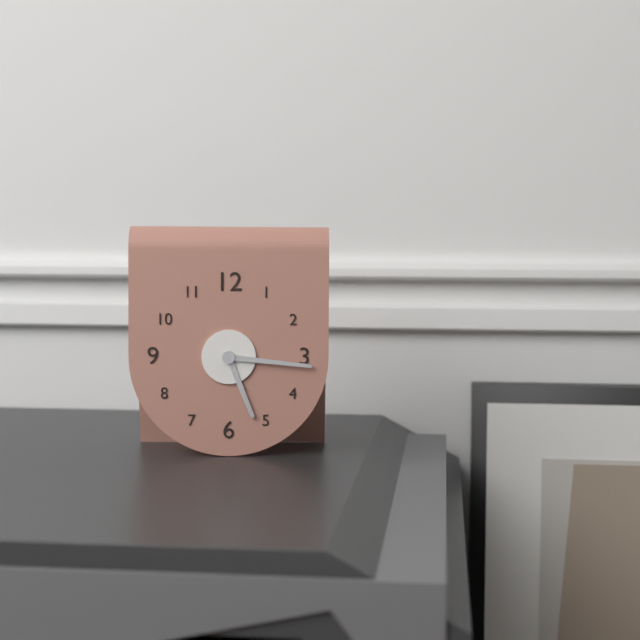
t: 5:16
